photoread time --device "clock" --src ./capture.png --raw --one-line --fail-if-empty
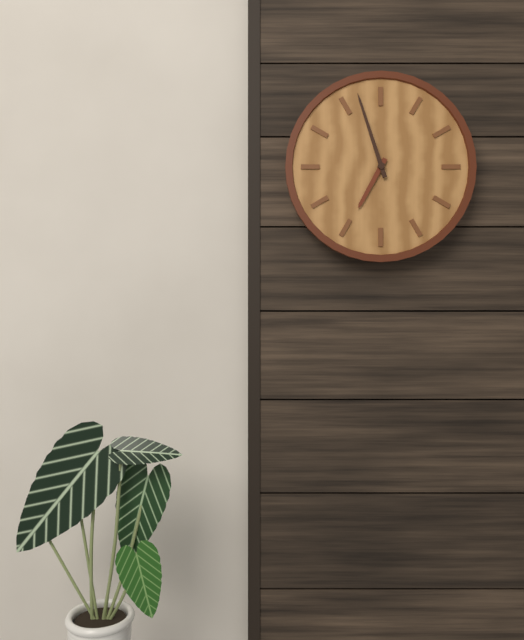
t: 6:57
